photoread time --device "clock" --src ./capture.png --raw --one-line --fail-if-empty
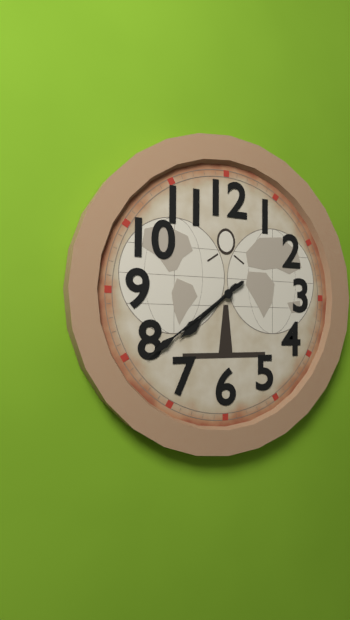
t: 7:39
